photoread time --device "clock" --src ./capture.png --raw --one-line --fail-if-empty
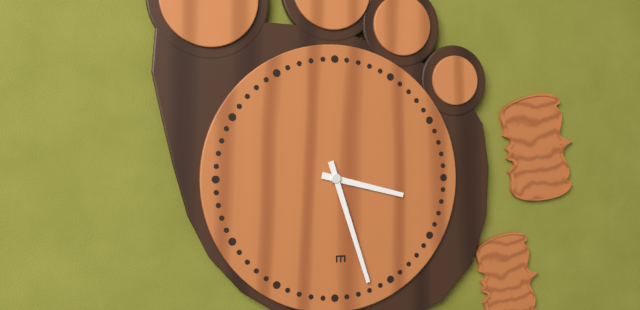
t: 3:27
